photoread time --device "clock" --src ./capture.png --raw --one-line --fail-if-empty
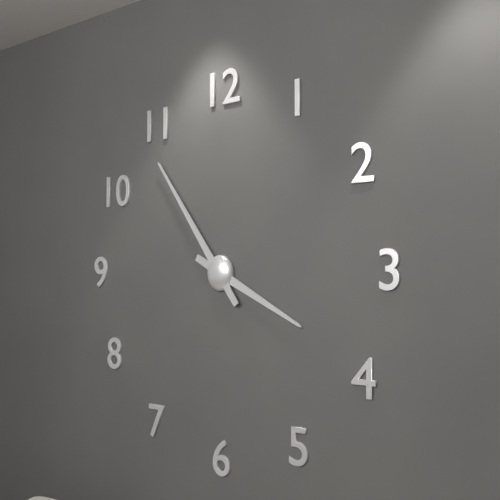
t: 3:54
